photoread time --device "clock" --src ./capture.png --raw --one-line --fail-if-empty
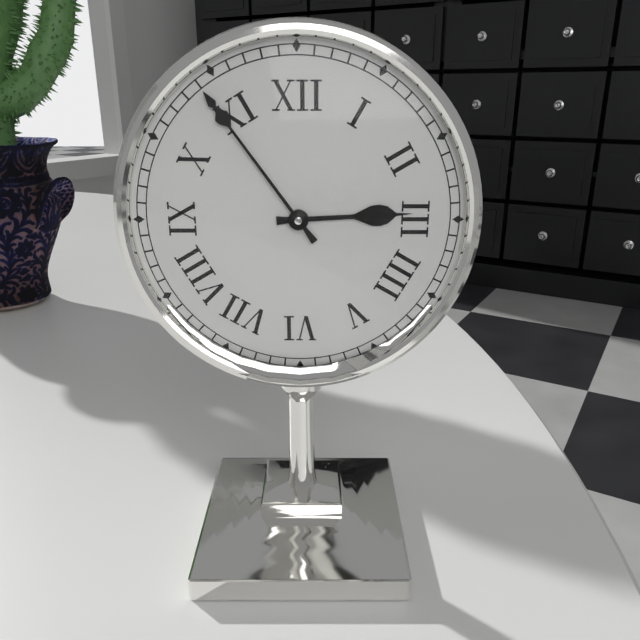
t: 2:54
